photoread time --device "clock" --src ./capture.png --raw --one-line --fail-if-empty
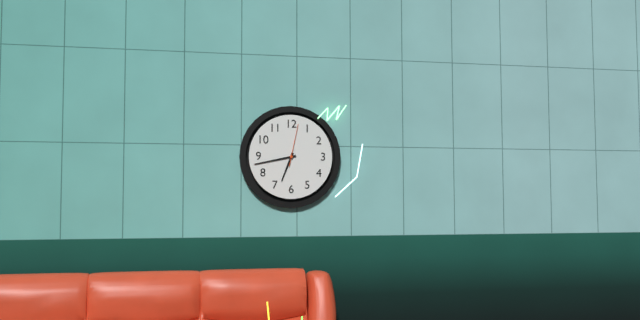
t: 6:43
